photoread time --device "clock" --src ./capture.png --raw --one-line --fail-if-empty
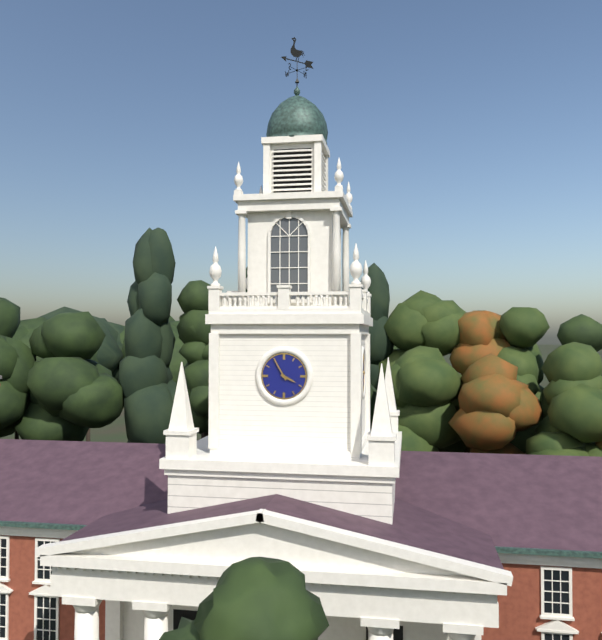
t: 3:55
